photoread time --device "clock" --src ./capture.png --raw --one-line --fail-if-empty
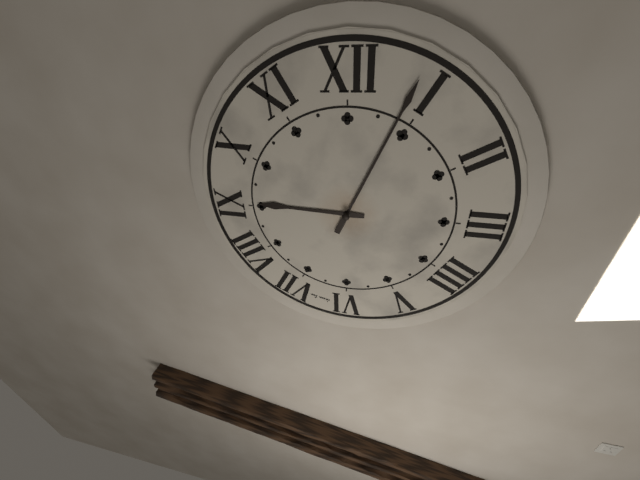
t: 9:04
